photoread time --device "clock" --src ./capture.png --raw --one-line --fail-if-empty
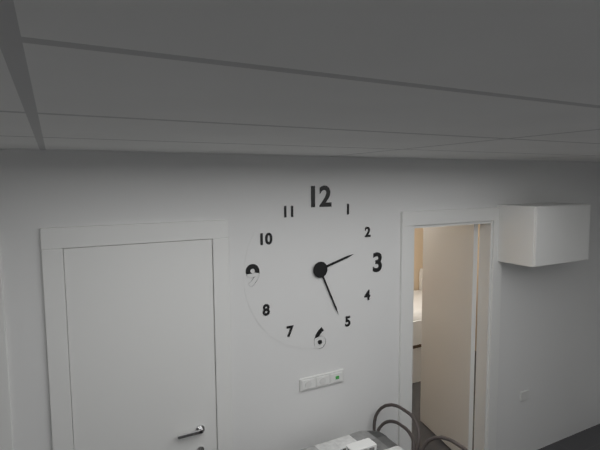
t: 2:26
